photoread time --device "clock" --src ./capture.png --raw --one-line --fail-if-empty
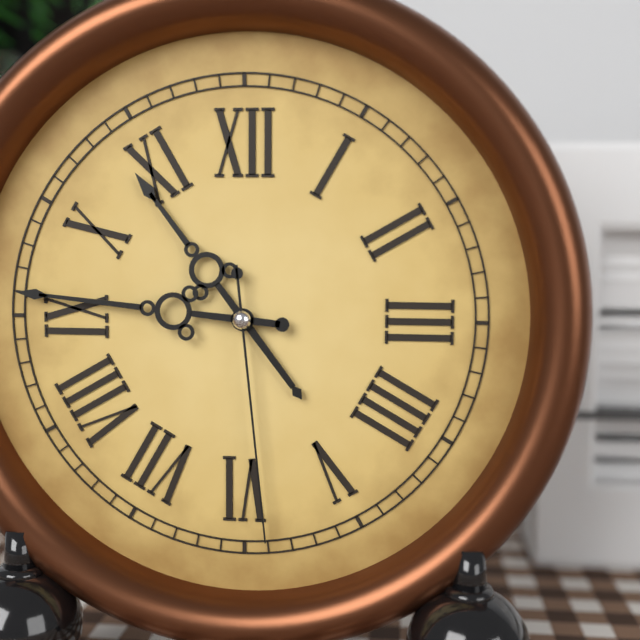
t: 10:46:29
